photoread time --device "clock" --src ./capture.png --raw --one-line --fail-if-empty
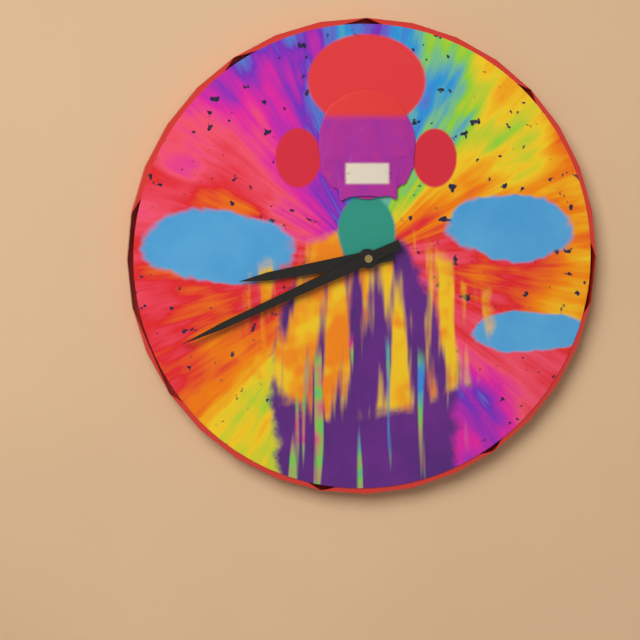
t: 8:41
